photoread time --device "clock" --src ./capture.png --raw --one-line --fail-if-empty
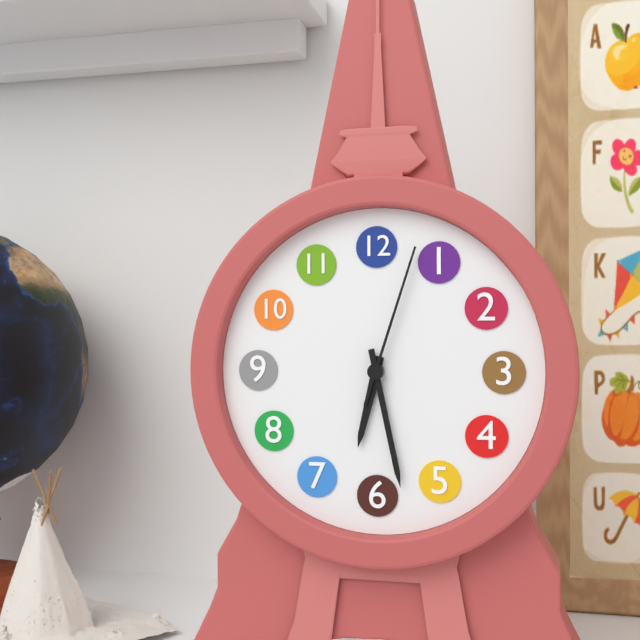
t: 6:28:03
